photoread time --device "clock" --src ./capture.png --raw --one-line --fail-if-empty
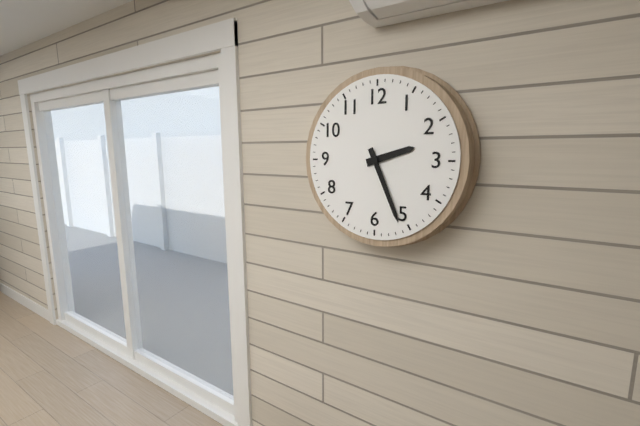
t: 2:26
